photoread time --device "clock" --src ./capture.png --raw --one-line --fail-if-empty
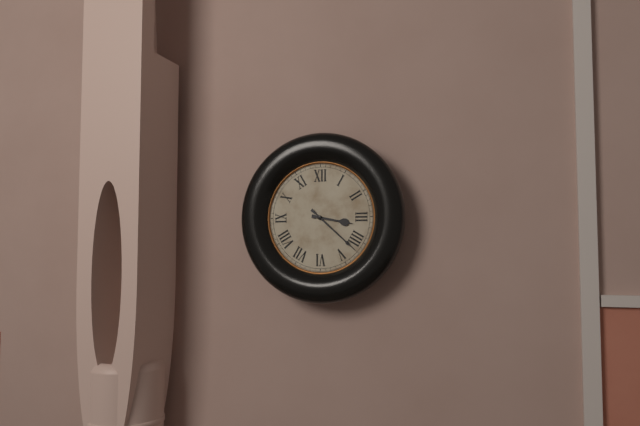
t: 3:22
